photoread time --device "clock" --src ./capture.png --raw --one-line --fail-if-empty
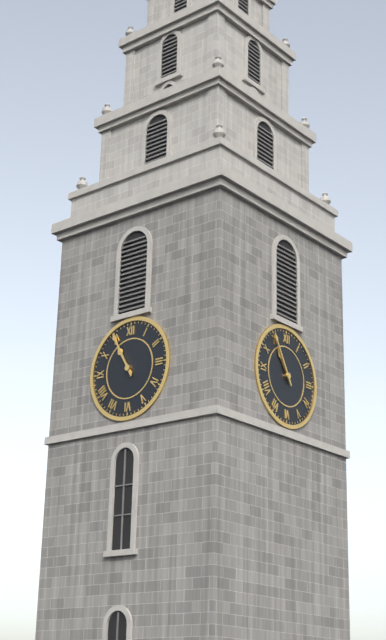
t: 10:55
